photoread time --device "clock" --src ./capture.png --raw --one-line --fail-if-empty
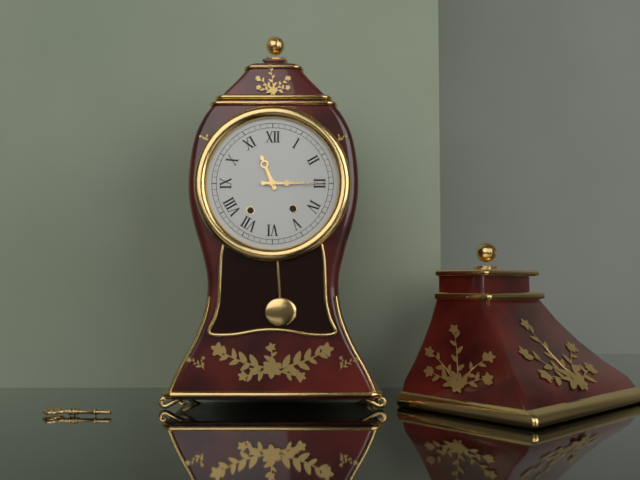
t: 11:15
